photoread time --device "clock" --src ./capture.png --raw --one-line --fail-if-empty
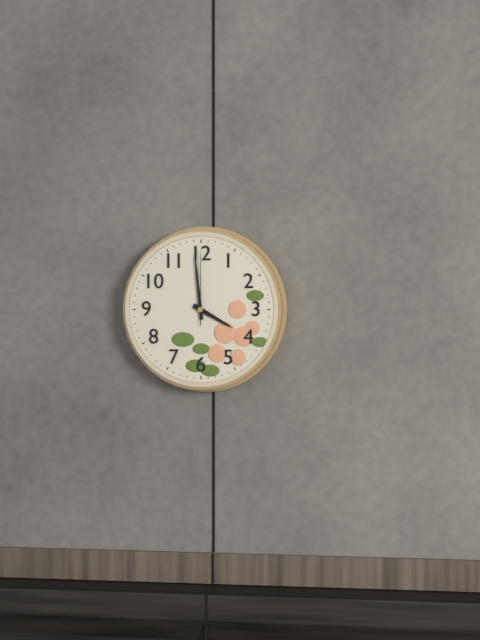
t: 3:59:00
